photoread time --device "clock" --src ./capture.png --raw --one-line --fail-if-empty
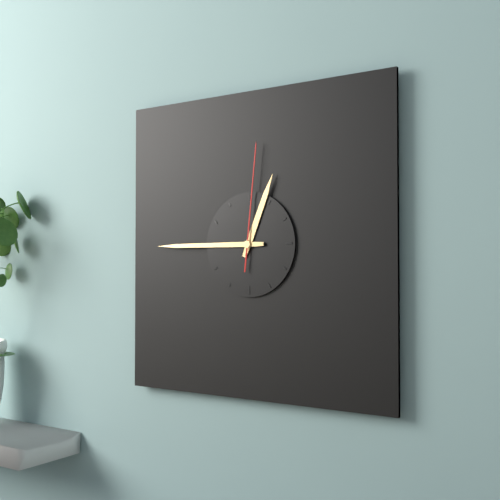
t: 12:45:01
